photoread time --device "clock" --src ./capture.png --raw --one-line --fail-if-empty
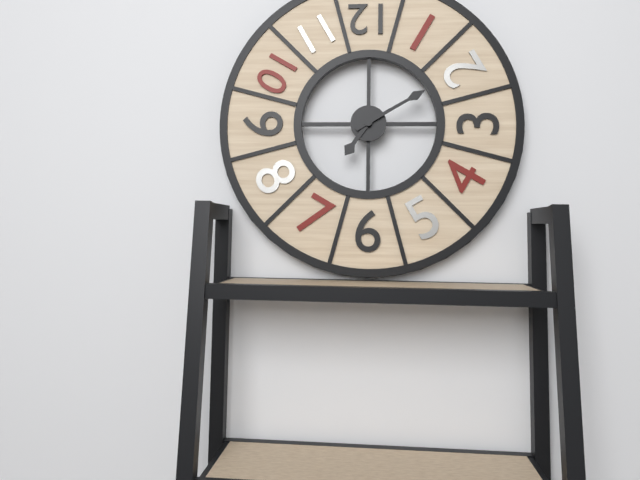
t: 7:10
